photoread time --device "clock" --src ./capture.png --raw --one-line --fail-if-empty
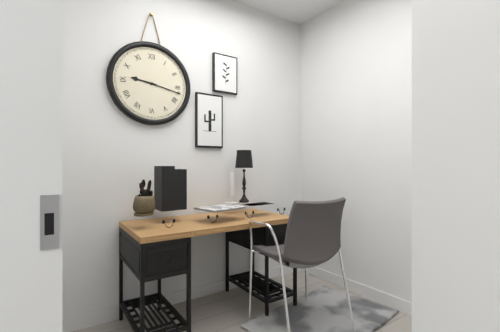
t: 9:17
